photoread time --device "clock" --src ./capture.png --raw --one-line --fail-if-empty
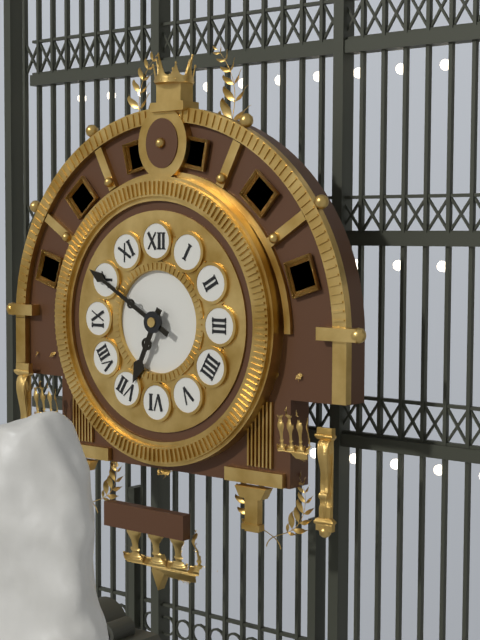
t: 6:50
